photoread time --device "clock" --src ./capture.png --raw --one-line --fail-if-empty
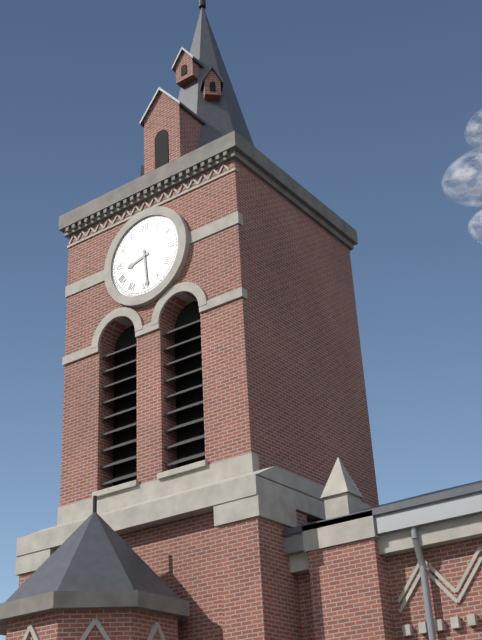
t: 8:29
